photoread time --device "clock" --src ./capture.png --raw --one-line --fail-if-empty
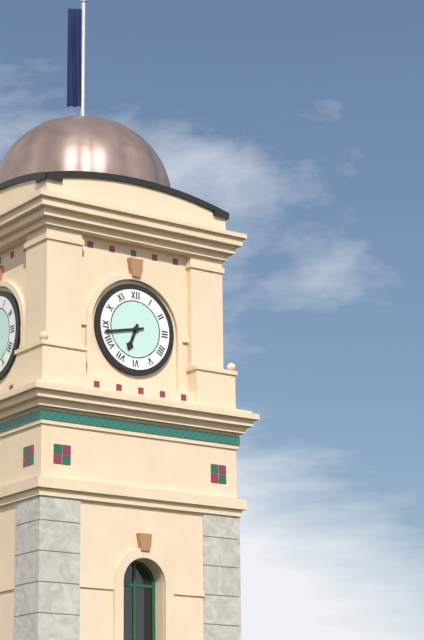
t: 6:43
